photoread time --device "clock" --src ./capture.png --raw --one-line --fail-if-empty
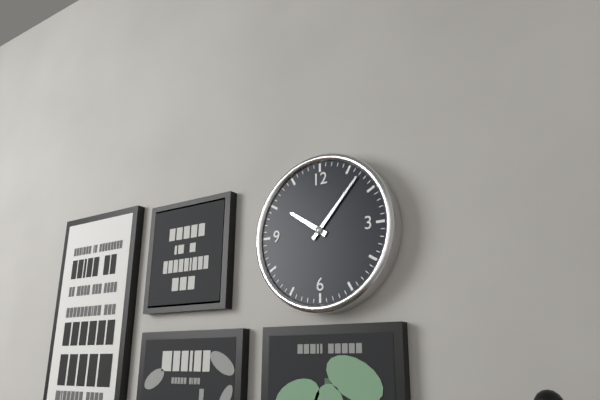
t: 10:07
